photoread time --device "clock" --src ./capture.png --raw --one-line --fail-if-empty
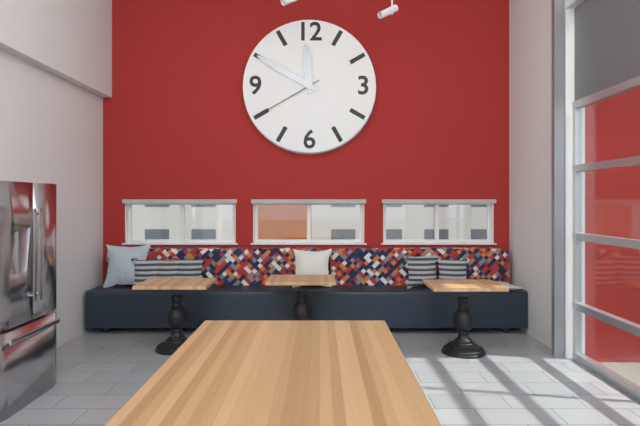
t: 11:50:40
